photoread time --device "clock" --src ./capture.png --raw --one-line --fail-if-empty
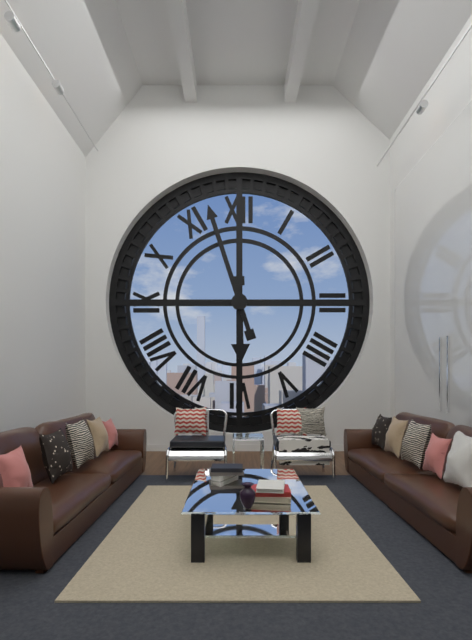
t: 5:57
